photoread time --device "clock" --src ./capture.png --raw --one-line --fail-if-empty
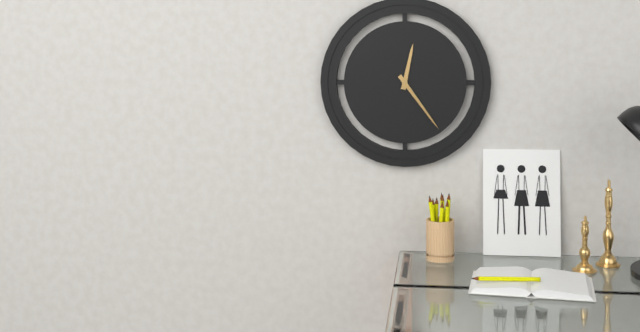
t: 12:24
